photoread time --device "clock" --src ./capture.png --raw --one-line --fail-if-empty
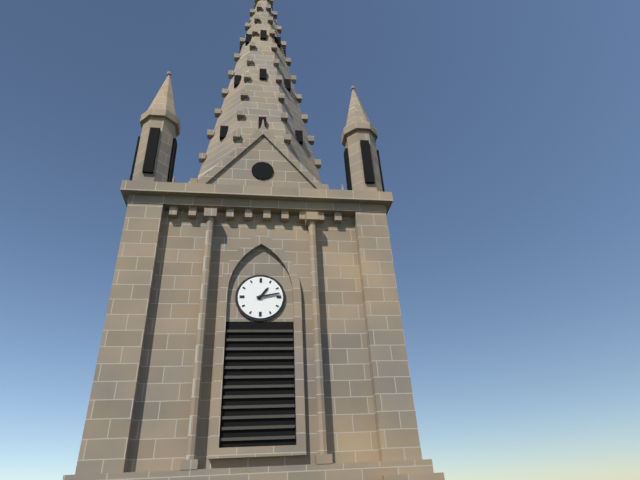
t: 1:13
